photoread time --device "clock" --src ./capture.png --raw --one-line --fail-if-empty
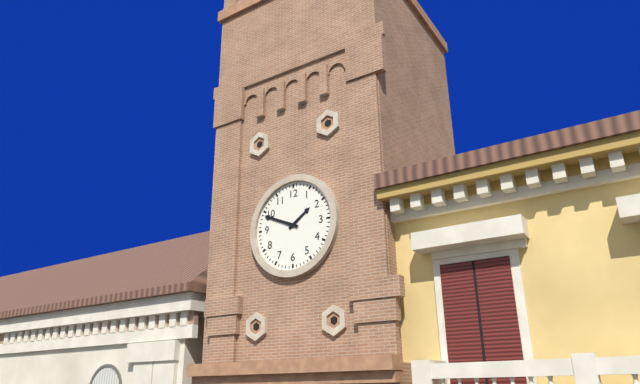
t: 1:49
